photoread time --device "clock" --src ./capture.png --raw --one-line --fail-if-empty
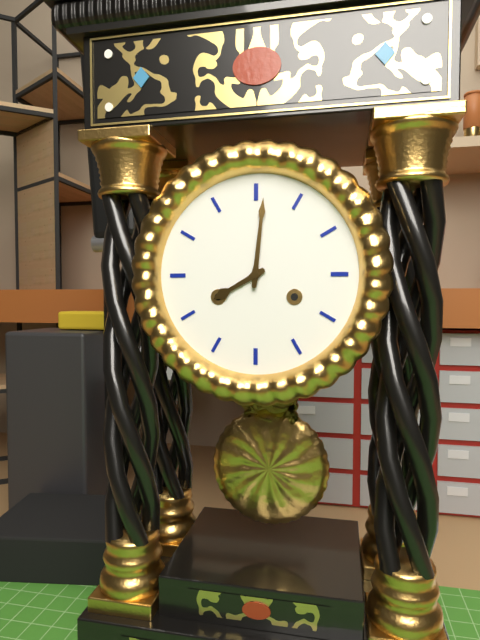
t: 8:01
